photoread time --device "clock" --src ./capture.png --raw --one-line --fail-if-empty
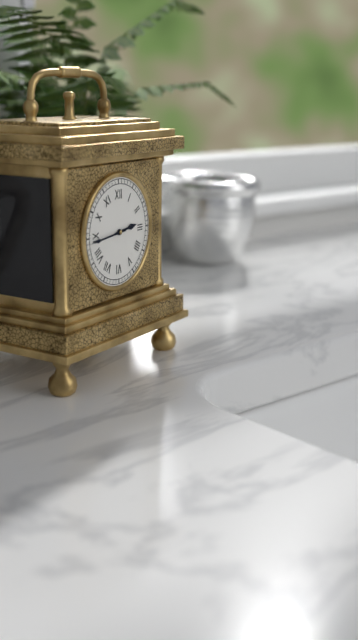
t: 2:44
